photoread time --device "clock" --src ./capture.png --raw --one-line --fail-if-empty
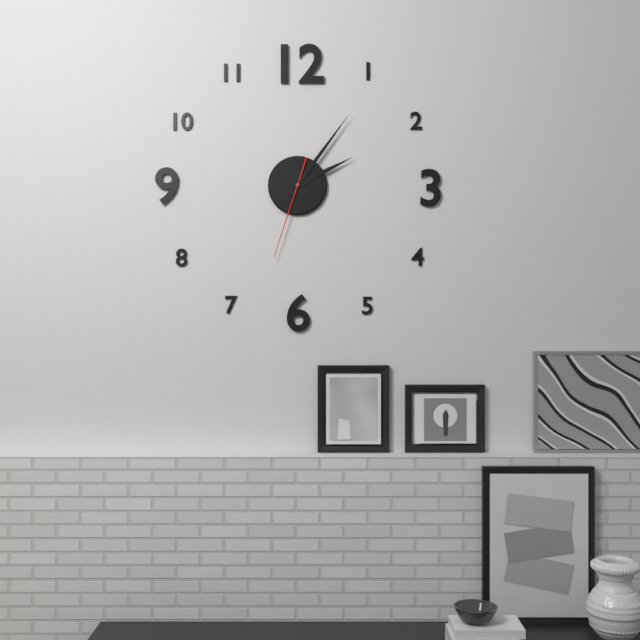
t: 2:06:33
